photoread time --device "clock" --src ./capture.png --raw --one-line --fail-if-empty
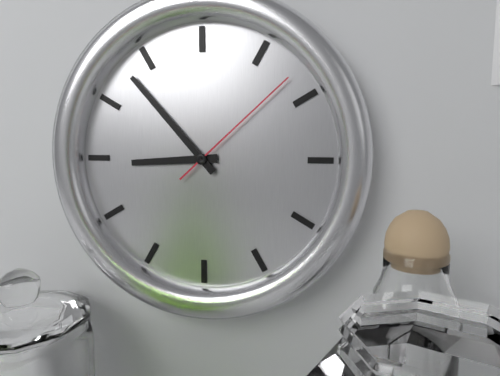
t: 8:53:08
